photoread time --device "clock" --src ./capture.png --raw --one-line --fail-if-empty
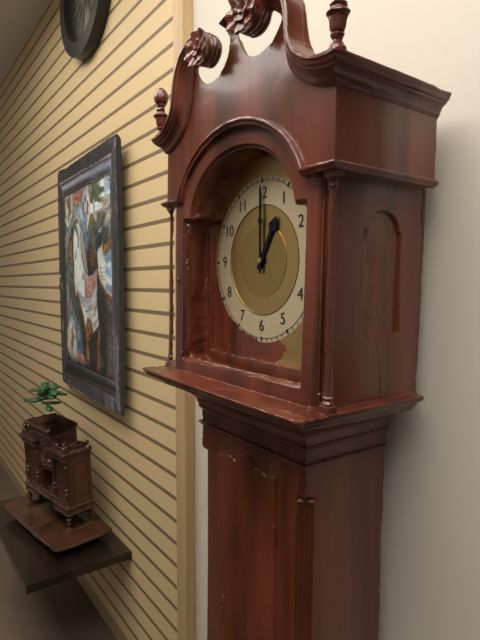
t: 1:00
